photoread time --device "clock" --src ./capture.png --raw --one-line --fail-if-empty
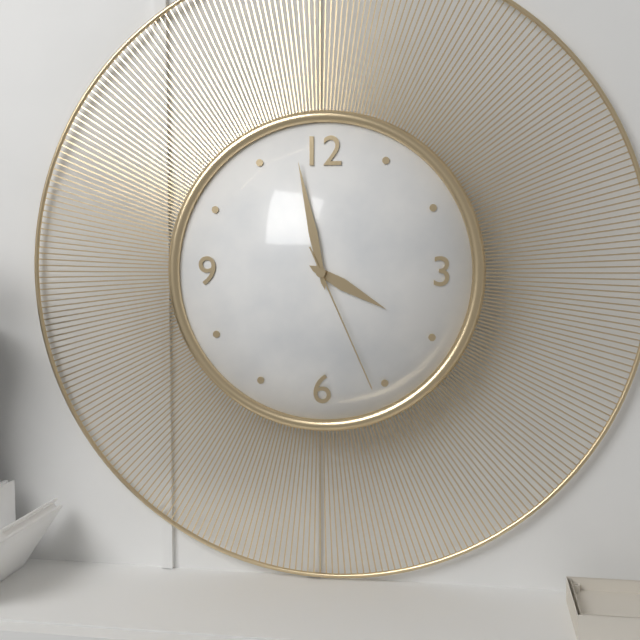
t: 3:58:26
